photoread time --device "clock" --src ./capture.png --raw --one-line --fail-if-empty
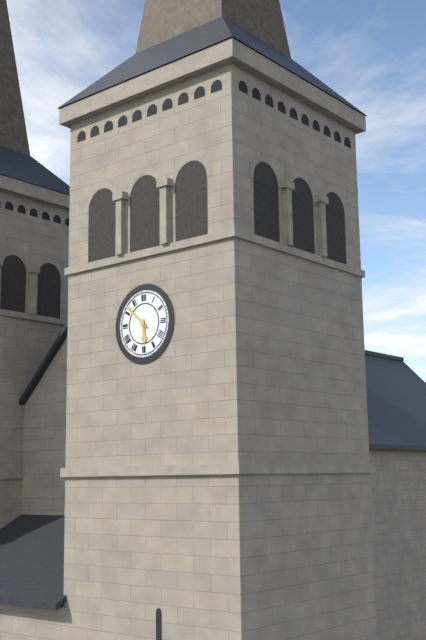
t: 5:52
